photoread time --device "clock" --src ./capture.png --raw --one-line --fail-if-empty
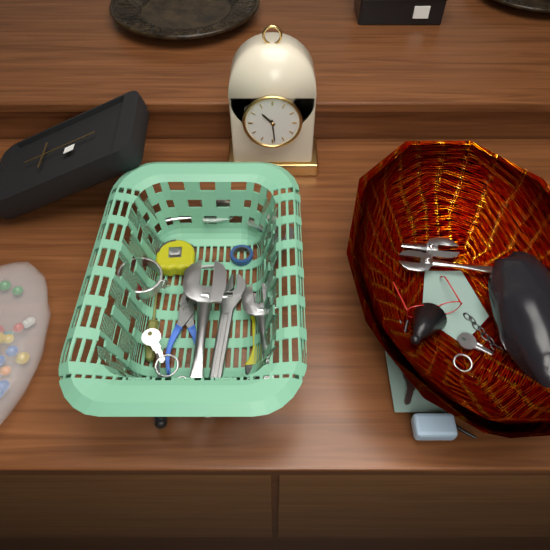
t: 10:29
